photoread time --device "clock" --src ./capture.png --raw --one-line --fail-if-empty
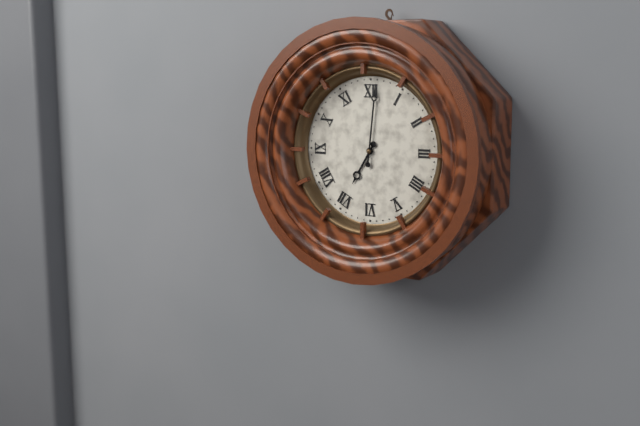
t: 7:01
